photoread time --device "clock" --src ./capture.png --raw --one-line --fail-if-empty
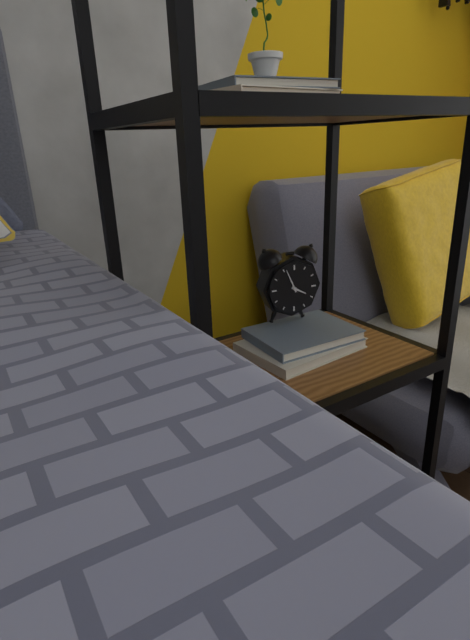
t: 3:56
